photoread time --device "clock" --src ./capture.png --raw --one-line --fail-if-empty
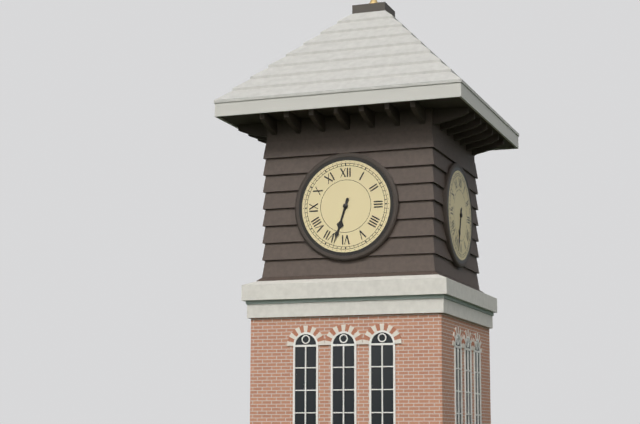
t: 6:33
